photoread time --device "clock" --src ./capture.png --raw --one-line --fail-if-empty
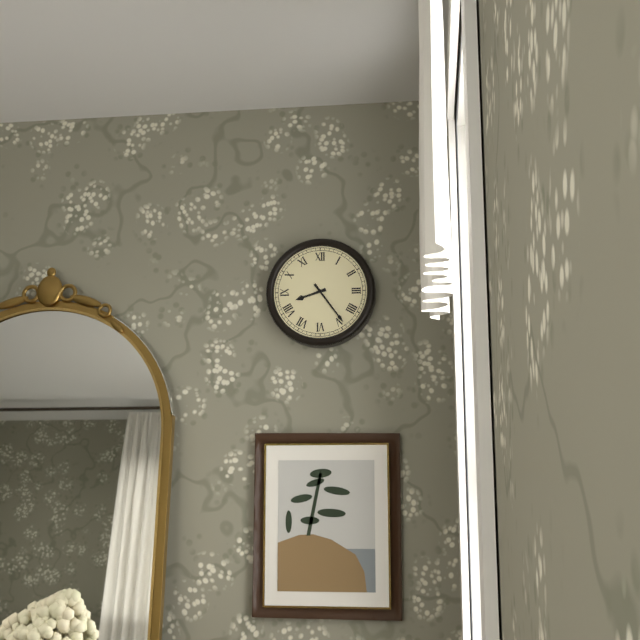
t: 8:24
